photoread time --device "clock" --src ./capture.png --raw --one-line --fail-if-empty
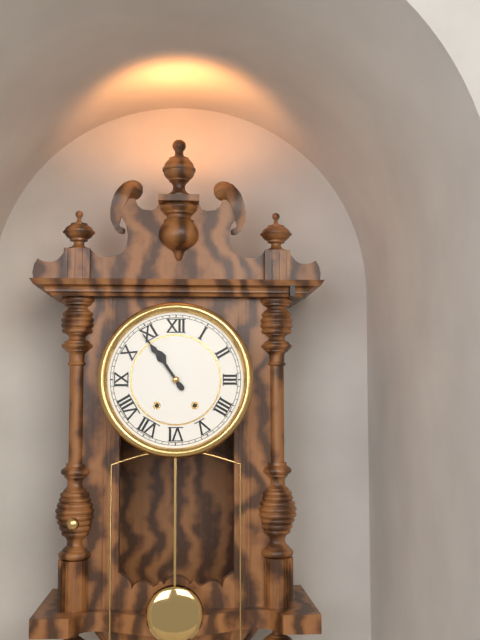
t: 10:54
